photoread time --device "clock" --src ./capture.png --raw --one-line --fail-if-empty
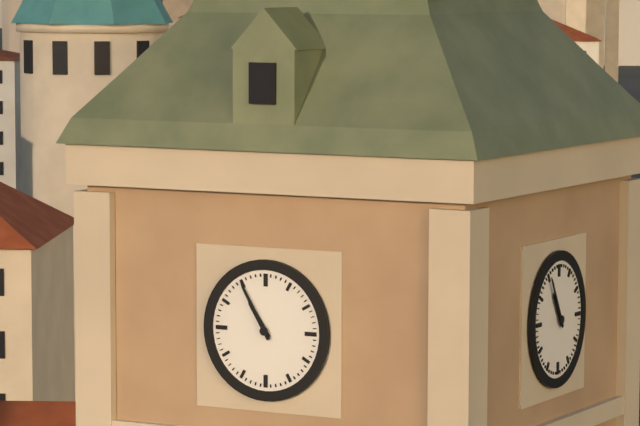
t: 10:55
